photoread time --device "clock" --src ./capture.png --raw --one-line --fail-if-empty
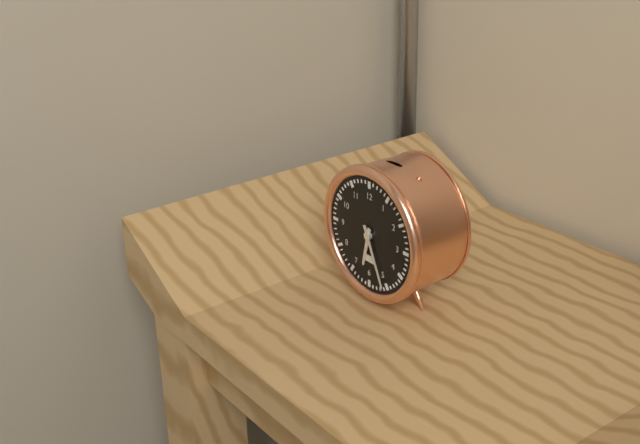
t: 6:26
